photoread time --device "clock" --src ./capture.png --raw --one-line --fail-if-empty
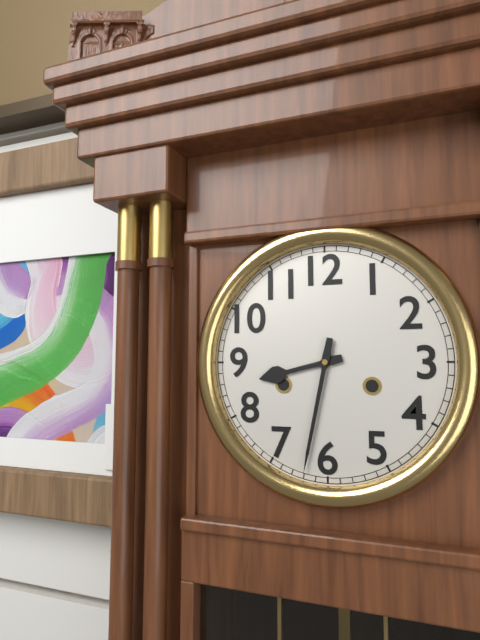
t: 8:32
